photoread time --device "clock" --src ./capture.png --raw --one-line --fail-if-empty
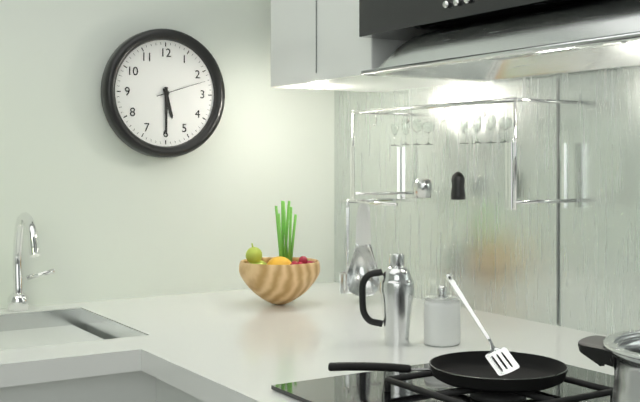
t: 5:30:12
